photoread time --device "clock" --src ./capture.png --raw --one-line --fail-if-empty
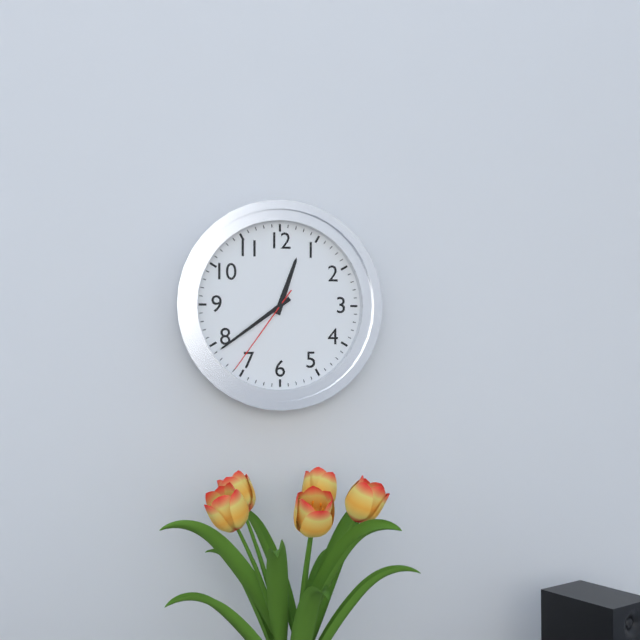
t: 12:39:36
